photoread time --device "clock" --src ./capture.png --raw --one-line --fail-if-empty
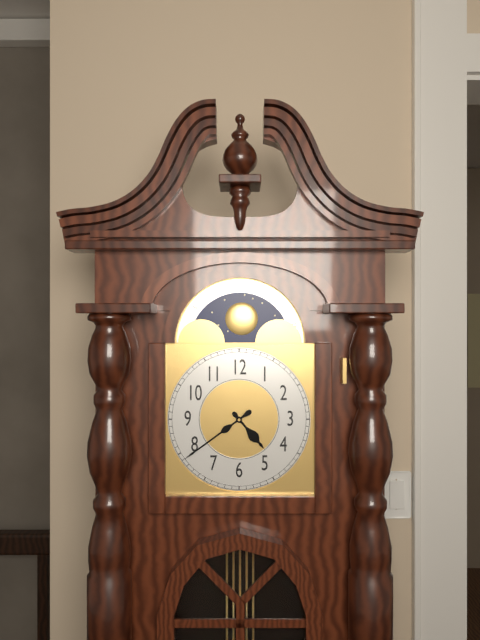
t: 4:39
